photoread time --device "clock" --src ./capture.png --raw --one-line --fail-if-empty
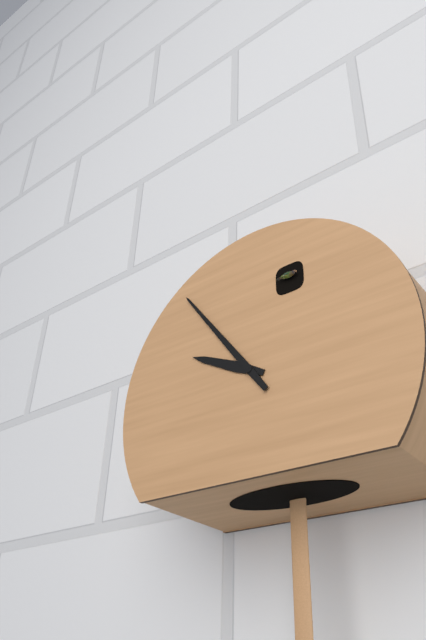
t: 9:54
